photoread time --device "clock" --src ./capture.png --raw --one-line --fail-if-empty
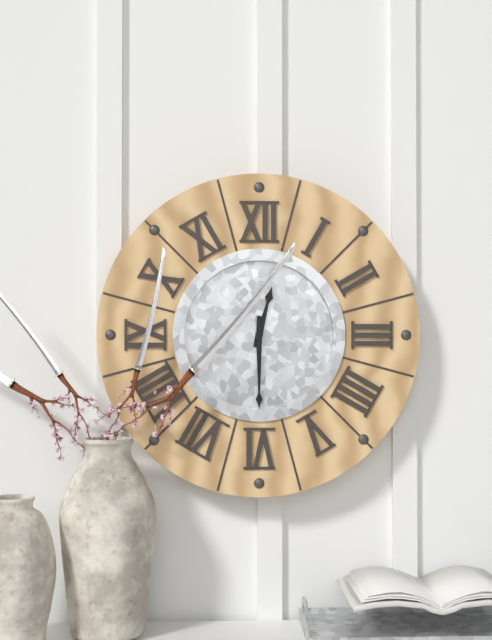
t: 12:30
